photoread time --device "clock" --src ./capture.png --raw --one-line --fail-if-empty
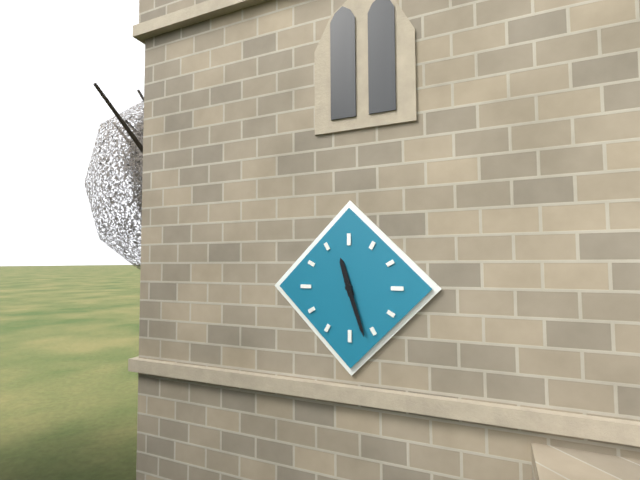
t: 11:27
